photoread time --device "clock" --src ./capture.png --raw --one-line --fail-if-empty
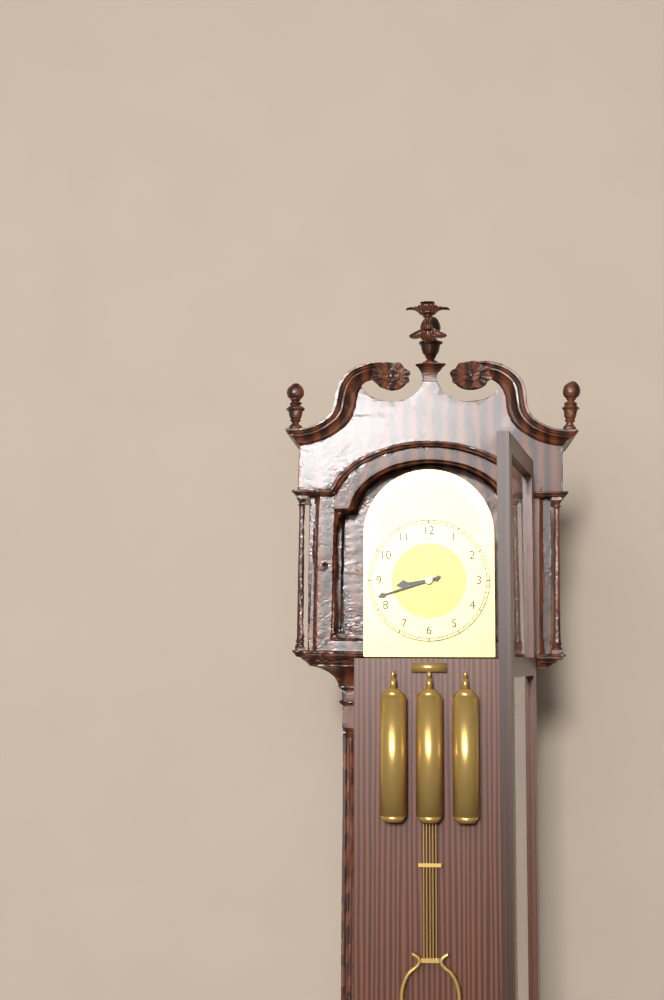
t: 8:42
